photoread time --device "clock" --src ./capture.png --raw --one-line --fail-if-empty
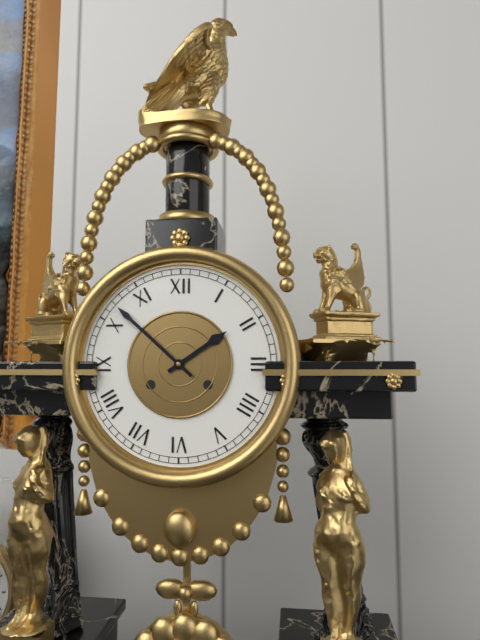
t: 1:52
